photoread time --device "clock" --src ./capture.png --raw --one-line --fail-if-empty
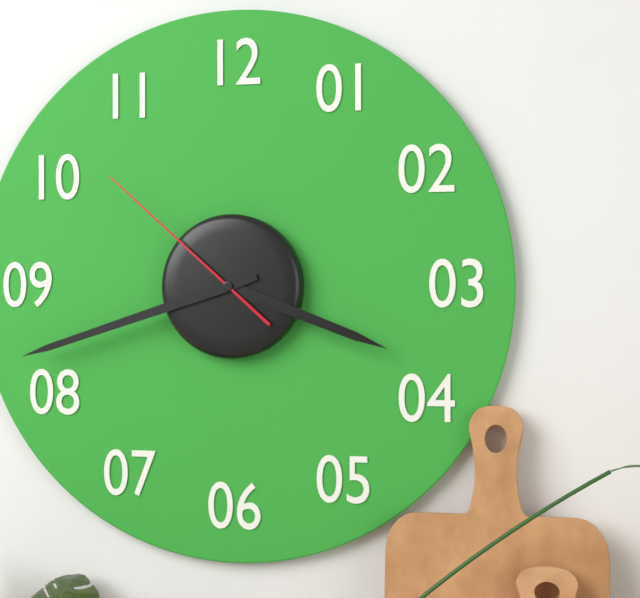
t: 3:42:52
